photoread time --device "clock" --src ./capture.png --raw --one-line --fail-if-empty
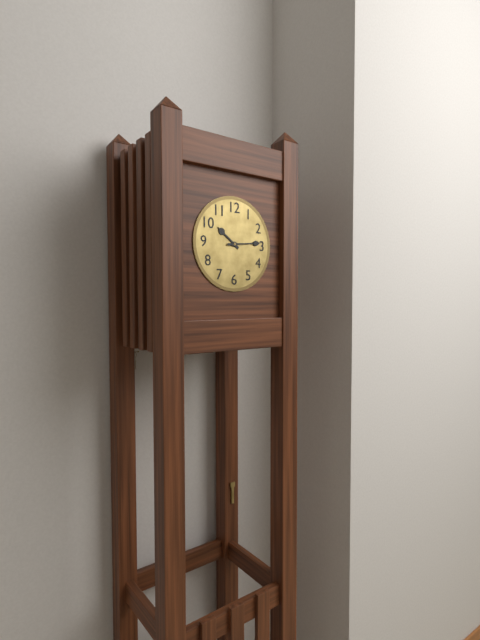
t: 10:14
